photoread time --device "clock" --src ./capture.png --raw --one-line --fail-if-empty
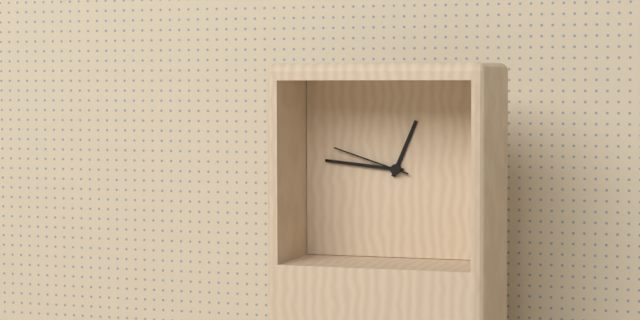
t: 12:46:48
